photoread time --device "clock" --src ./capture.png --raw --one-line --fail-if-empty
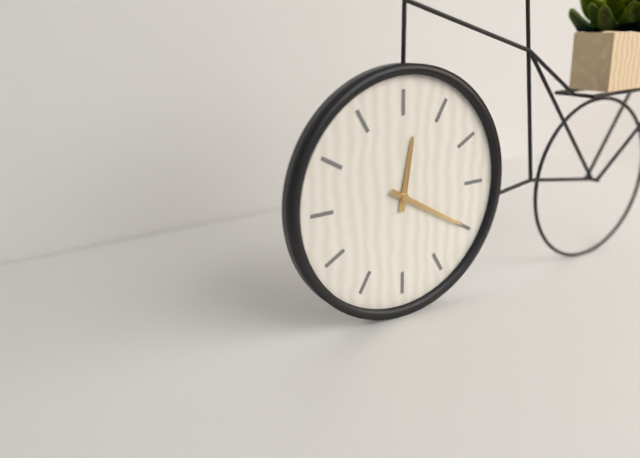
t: 12:20
